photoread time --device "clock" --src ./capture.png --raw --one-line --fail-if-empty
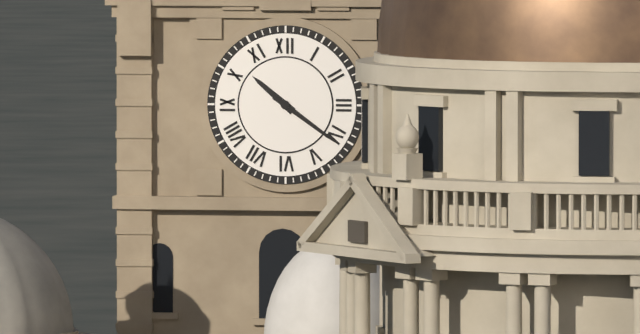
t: 10:21
